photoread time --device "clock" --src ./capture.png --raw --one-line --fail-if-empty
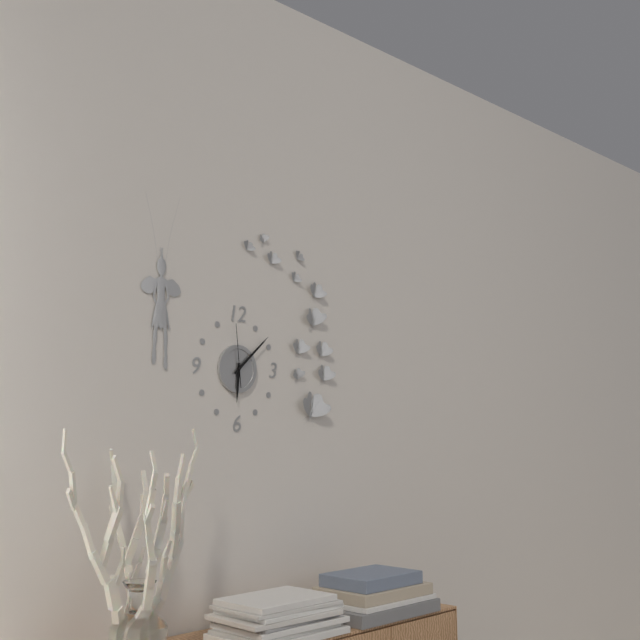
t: 6:08:59
